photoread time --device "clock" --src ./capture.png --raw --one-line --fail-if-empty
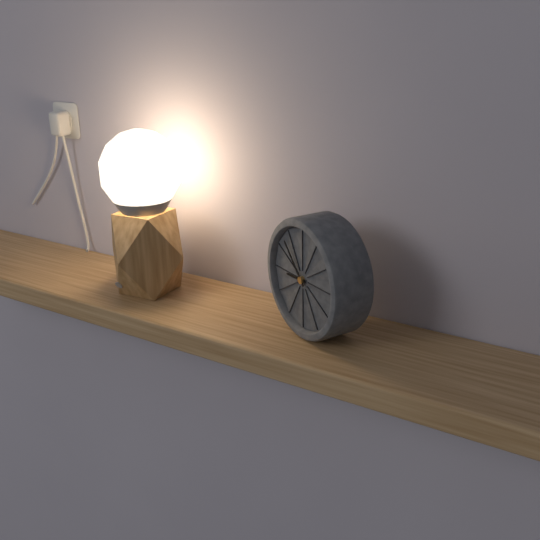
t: 8:53
